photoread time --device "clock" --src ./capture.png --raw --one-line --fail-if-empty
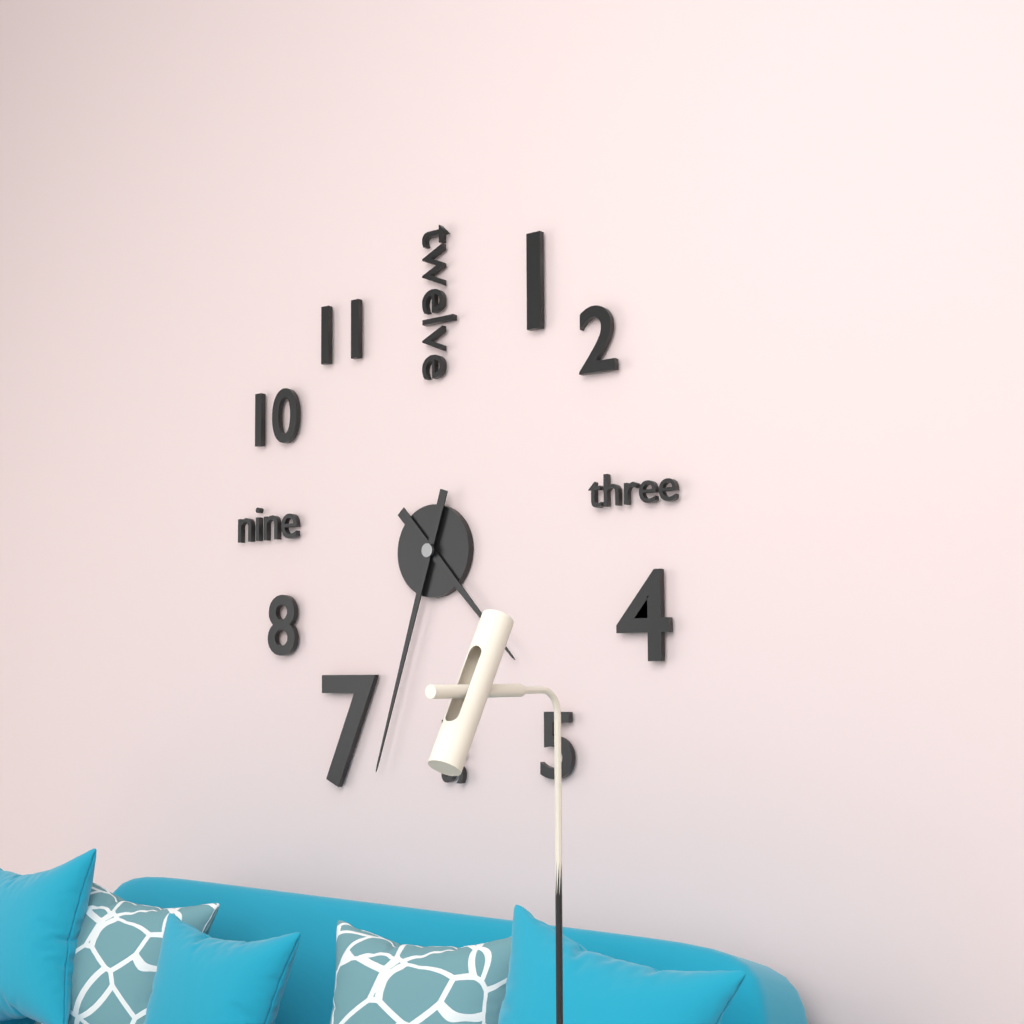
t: 4:33
